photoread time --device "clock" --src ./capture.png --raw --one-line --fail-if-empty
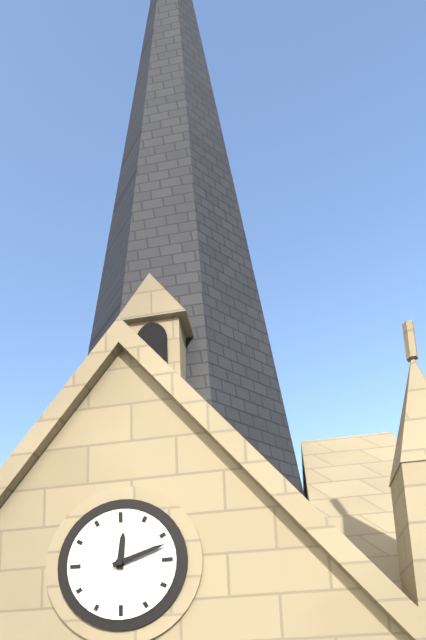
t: 12:12
